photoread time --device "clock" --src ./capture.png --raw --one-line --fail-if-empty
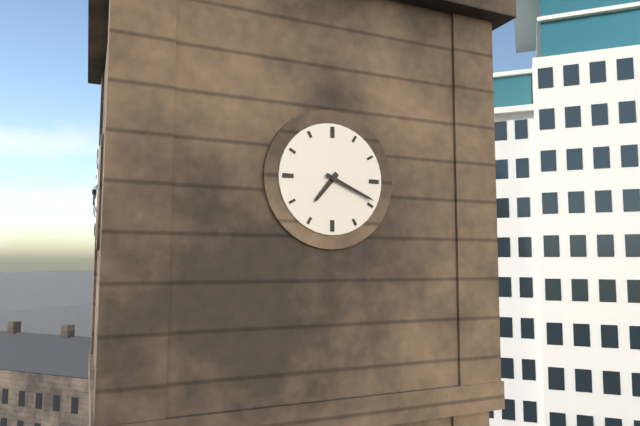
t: 7:19
